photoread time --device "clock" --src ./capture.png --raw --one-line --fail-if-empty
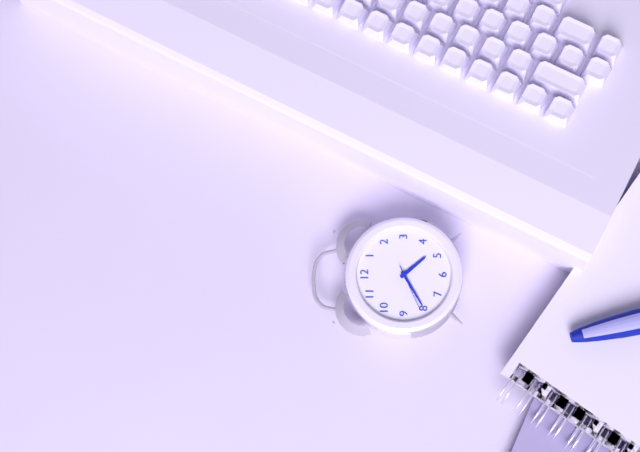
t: 4:40
